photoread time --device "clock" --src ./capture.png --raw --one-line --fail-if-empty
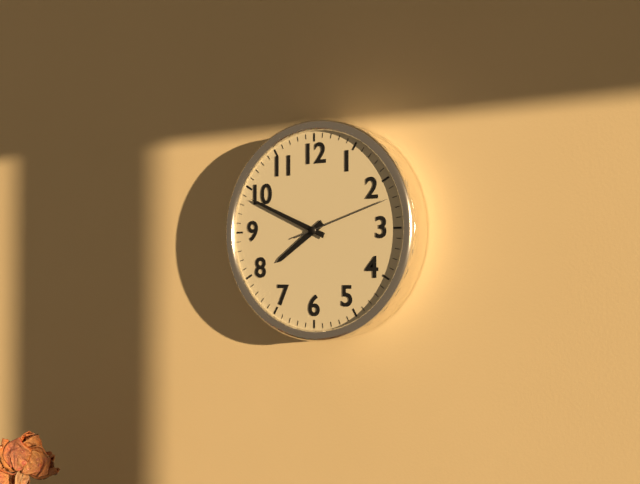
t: 7:49:12
